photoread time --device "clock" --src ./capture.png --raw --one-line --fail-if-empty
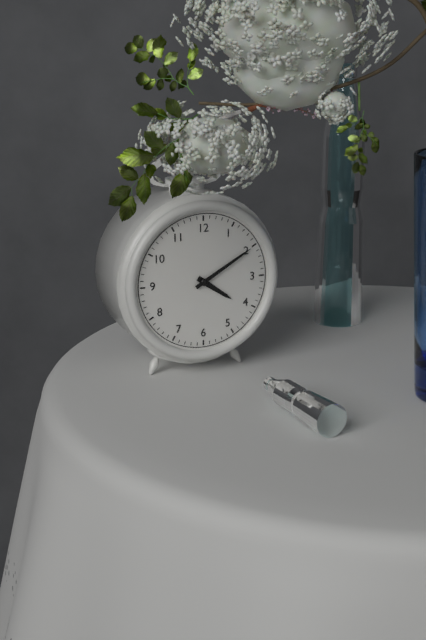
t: 4:10
